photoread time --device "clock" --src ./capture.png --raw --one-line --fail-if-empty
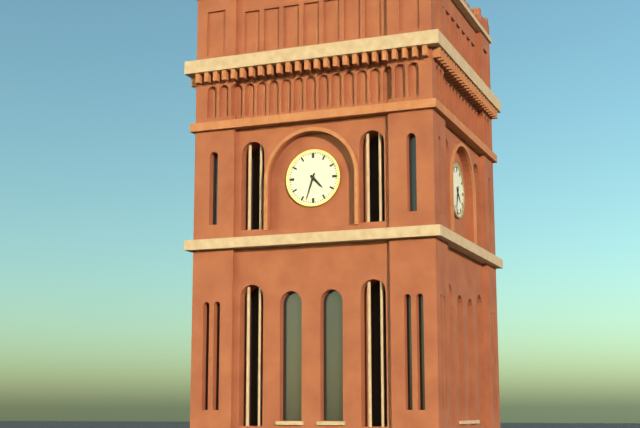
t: 4:33
